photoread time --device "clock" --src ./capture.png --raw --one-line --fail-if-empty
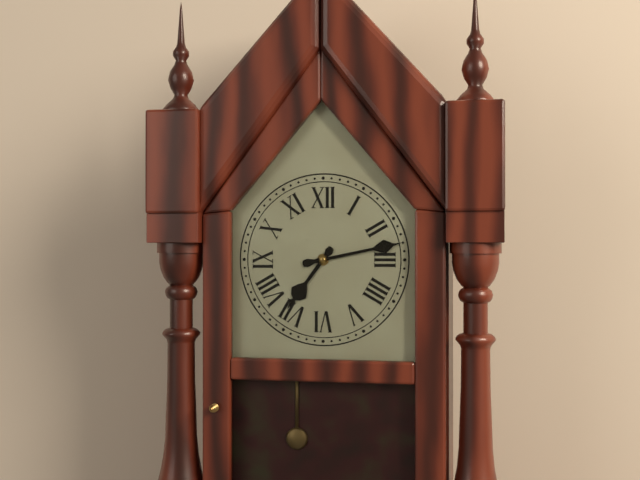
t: 7:13
